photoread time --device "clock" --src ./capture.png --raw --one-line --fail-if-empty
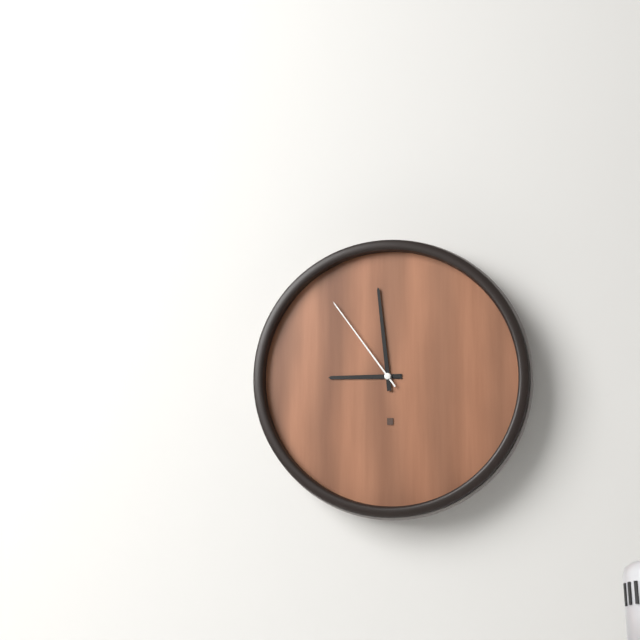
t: 8:59:54
